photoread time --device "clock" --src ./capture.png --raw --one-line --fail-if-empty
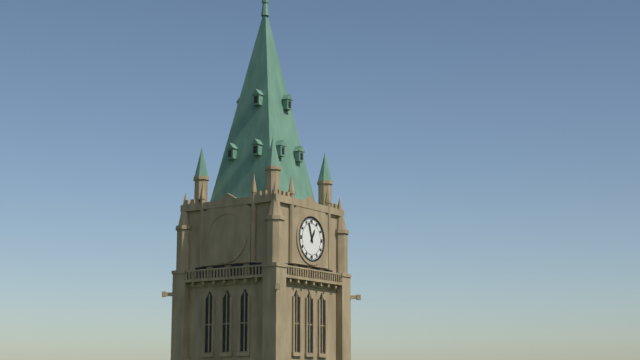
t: 12:57
